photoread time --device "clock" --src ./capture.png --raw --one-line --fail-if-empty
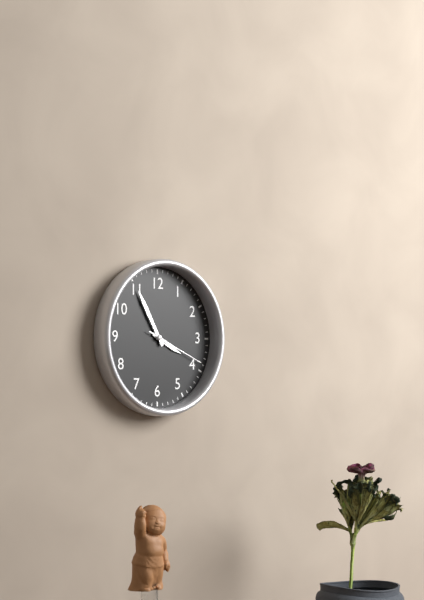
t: 3:55:19
